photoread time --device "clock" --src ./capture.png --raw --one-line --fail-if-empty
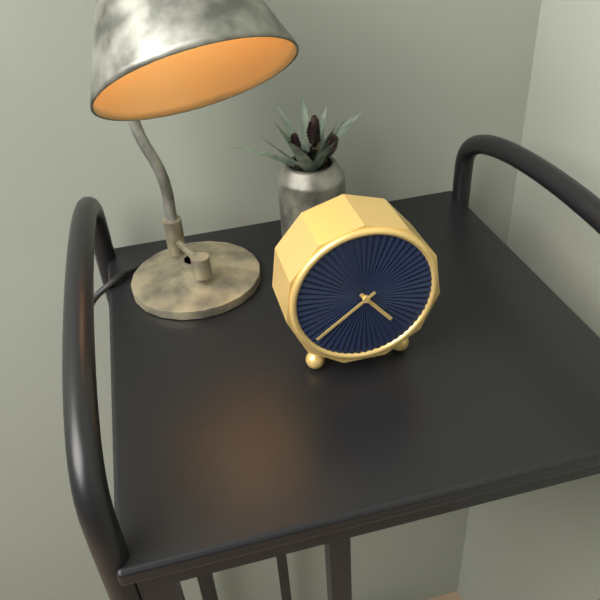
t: 4:39
